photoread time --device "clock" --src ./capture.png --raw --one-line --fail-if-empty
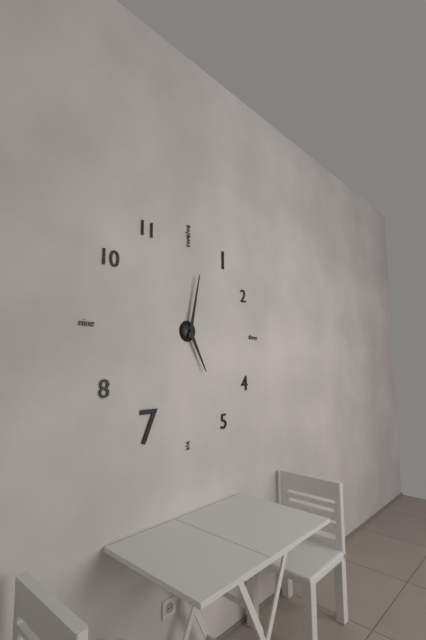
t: 5:02
